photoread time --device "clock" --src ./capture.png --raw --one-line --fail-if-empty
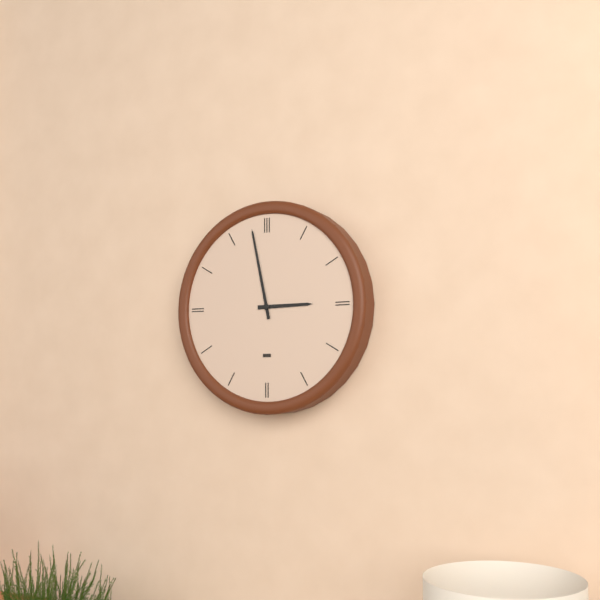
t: 2:58
